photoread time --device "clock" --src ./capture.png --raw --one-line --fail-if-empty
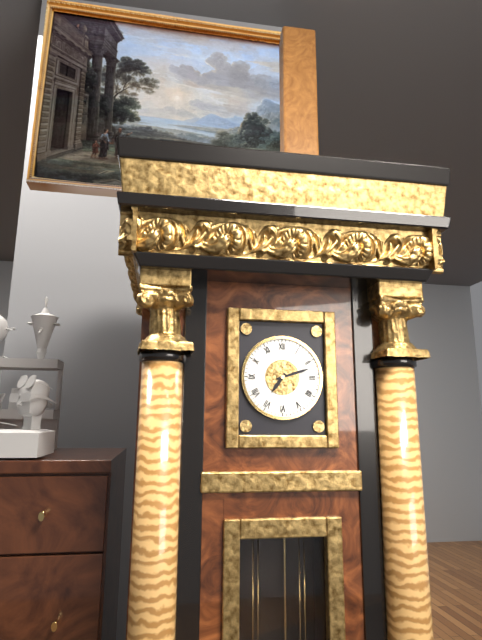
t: 7:12
